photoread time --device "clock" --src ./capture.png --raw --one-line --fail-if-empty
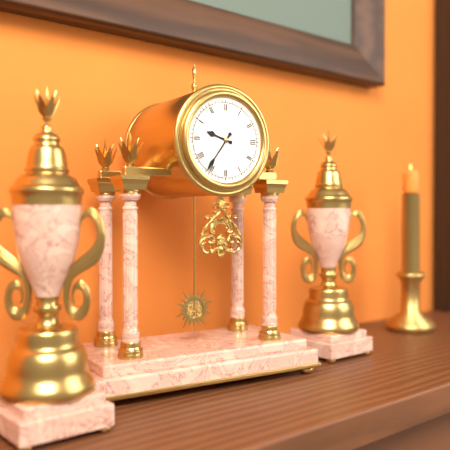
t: 9:36
